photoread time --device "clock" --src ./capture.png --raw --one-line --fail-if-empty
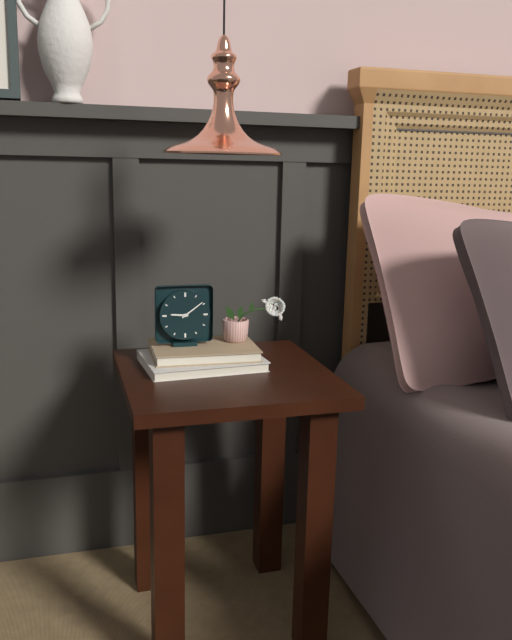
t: 9:09
